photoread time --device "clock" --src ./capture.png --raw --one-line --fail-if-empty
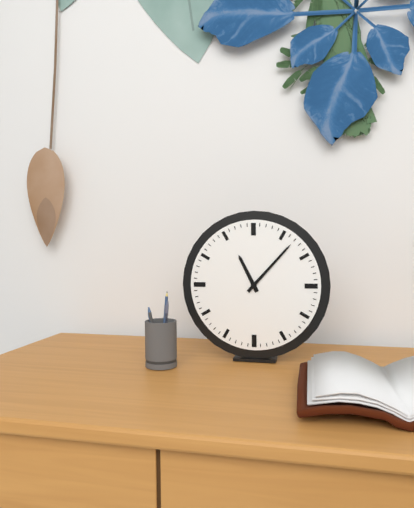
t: 11:07
